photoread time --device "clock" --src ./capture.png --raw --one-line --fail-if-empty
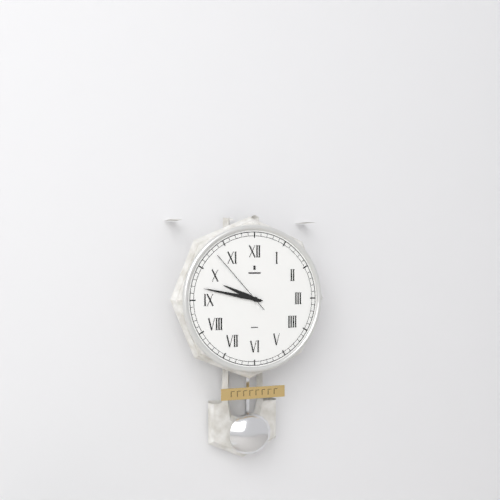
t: 9:47:53
